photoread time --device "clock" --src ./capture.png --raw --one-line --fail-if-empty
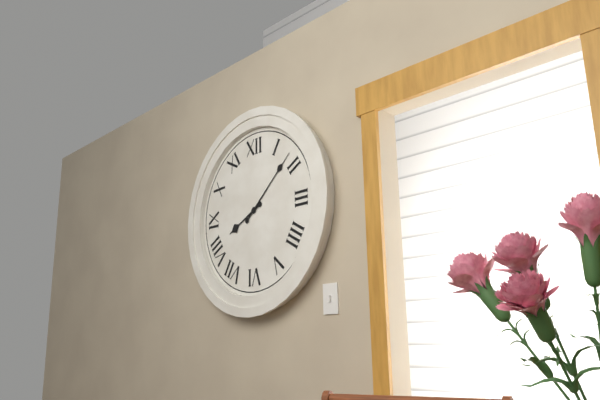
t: 8:08
